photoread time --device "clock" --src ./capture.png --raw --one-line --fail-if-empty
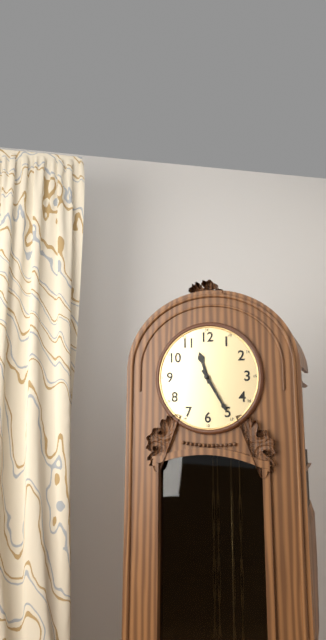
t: 11:25
